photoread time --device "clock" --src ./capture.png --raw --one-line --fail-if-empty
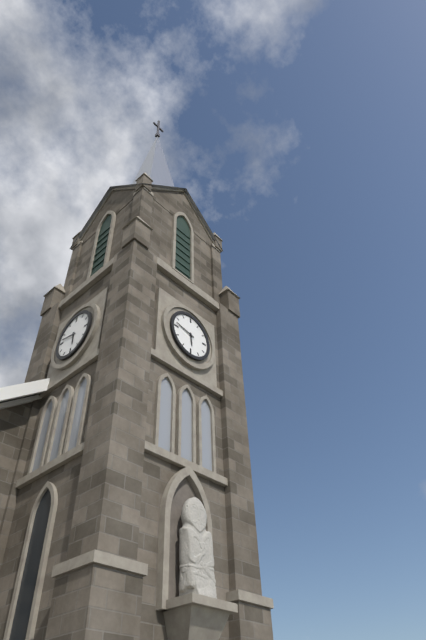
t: 5:47
